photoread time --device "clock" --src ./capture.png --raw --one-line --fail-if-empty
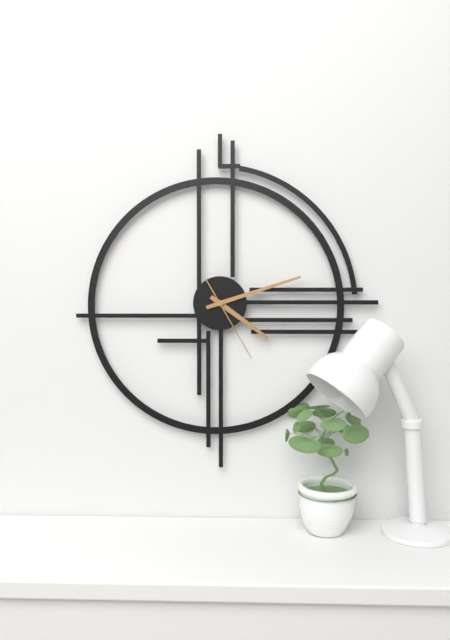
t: 4:12:25
